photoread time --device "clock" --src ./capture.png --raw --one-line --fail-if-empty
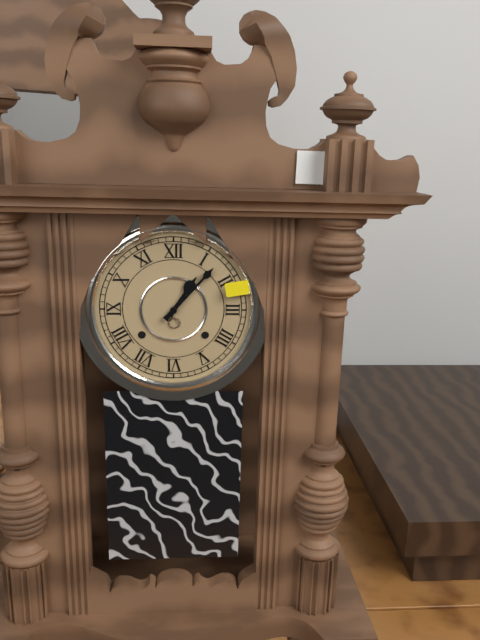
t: 1:07
